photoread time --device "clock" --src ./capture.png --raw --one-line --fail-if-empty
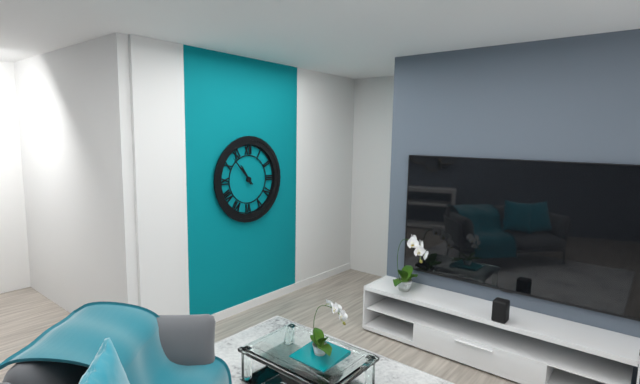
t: 10:53
